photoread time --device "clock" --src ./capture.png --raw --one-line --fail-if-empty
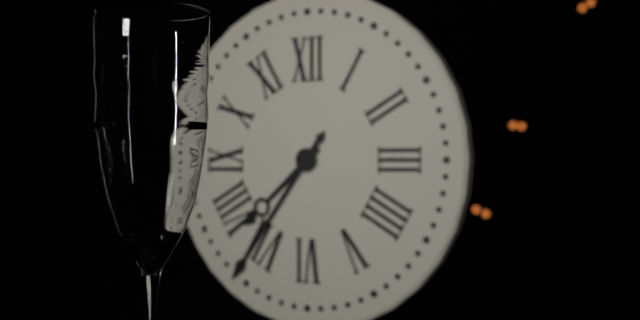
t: 7:36
